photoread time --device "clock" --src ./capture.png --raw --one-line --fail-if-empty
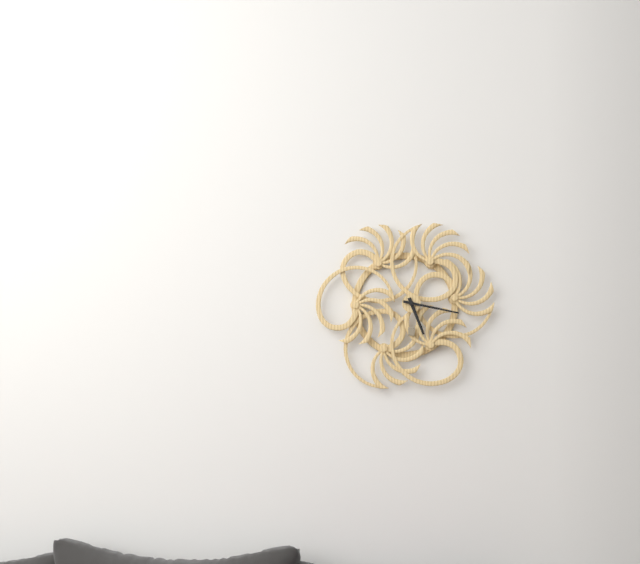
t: 5:17
